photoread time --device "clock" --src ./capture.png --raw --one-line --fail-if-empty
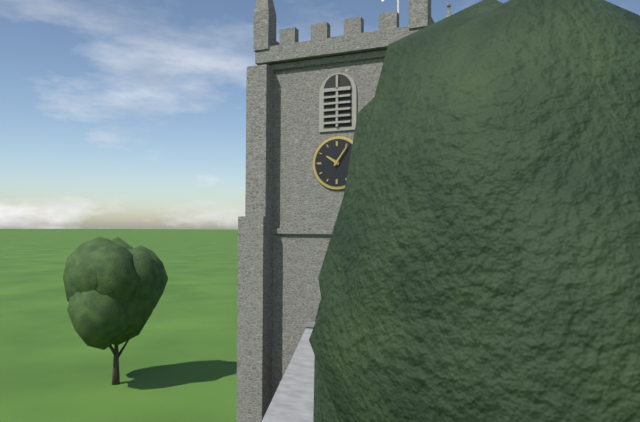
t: 10:06
